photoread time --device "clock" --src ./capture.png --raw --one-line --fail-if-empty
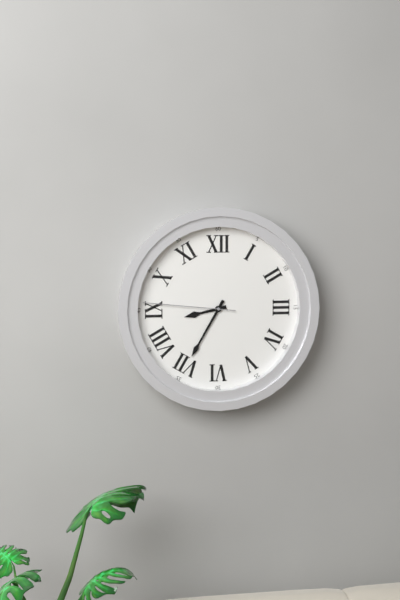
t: 8:35:46
